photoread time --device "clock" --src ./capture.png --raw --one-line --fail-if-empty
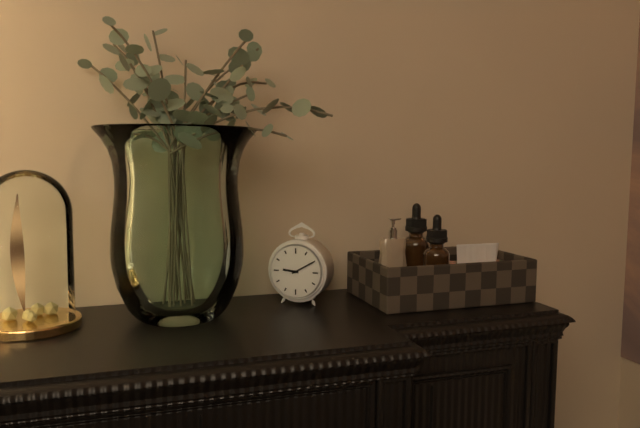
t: 9:10
